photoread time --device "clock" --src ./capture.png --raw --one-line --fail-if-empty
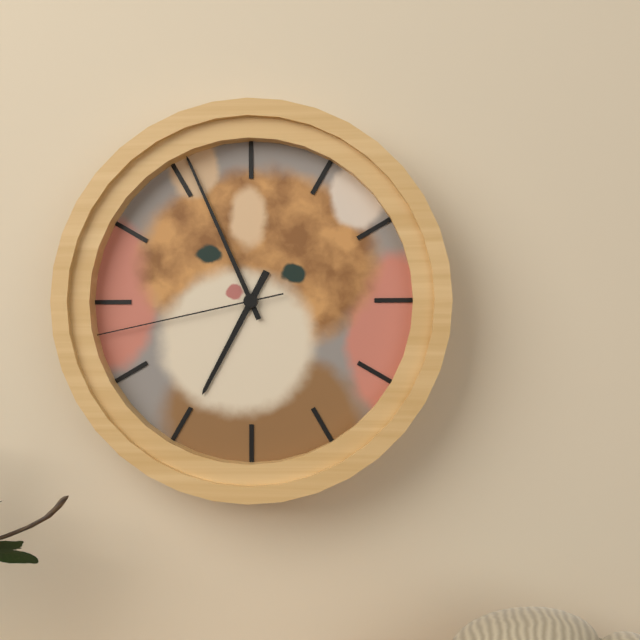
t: 6:56:43
